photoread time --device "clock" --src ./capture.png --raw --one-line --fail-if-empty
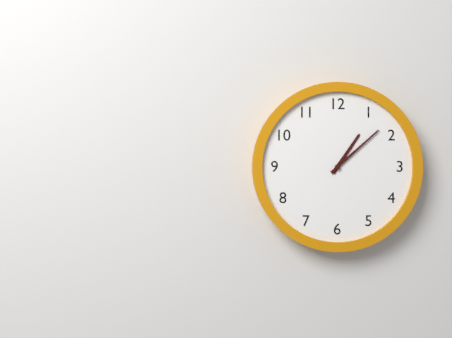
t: 1:08
